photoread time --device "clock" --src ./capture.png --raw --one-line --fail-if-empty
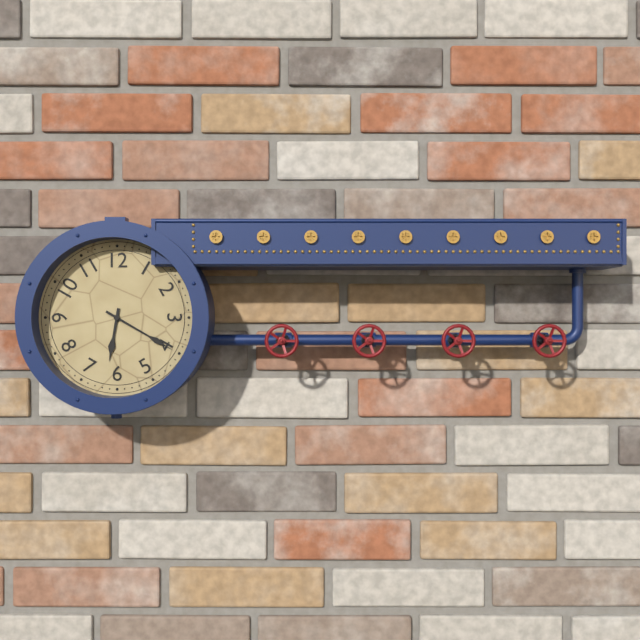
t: 6:20
